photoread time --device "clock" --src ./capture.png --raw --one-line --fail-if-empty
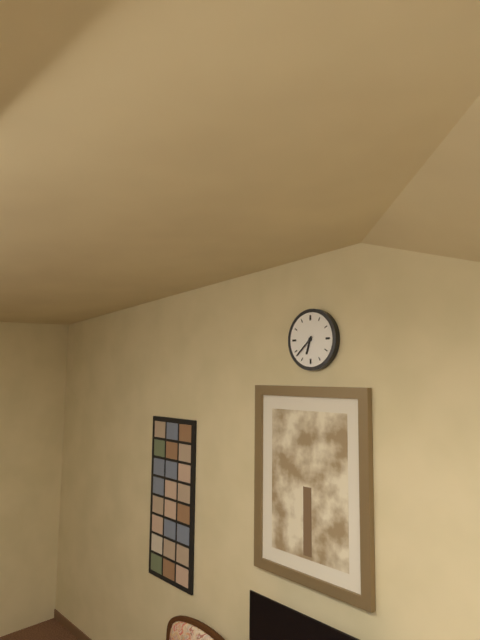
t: 6:38
